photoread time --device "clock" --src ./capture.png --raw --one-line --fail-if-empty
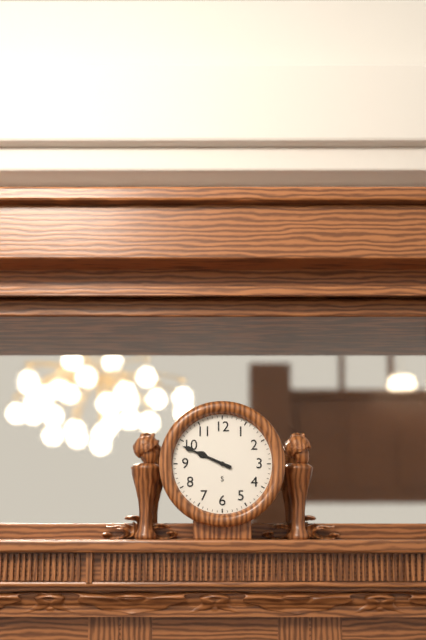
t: 9:49
